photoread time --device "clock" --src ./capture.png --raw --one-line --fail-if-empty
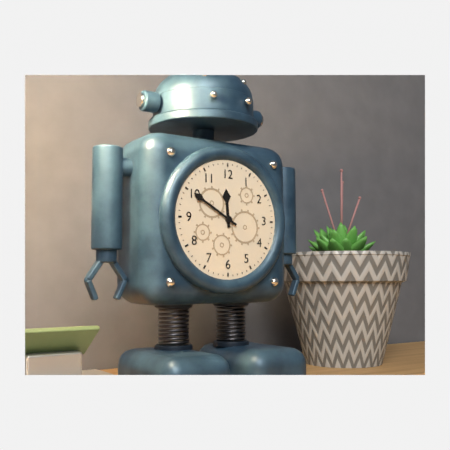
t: 11:50
